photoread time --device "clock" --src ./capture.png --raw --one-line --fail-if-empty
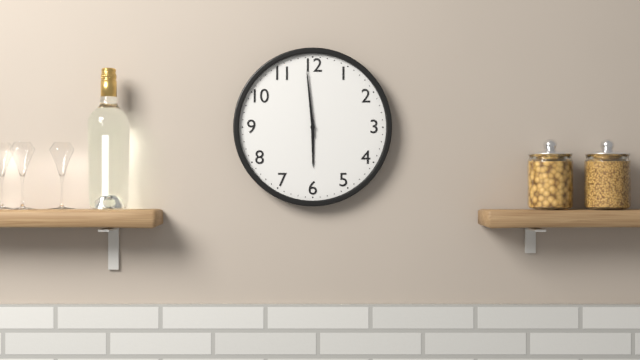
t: 5:59
